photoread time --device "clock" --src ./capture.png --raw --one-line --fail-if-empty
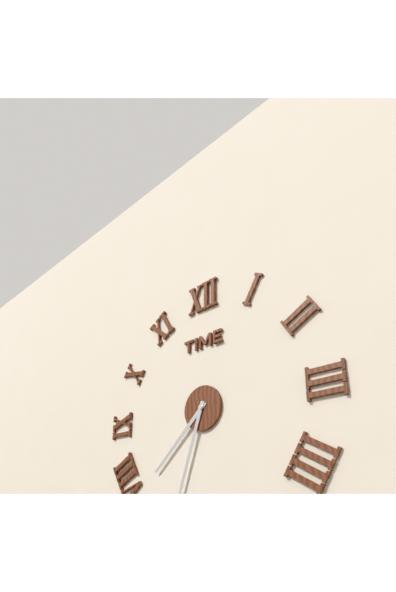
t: 7:33
